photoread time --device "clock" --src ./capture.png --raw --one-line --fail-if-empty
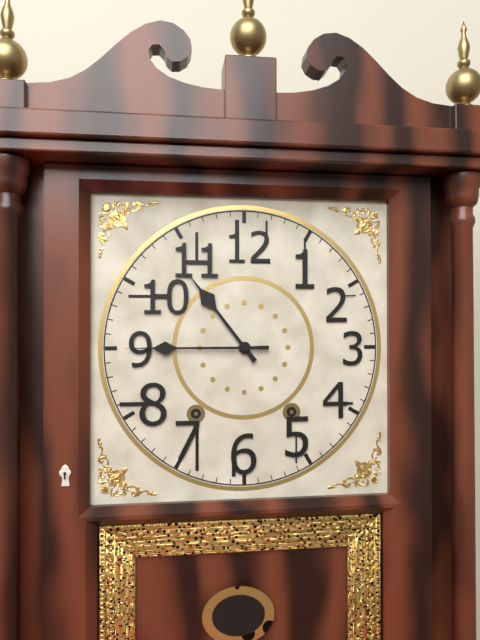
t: 10:45
